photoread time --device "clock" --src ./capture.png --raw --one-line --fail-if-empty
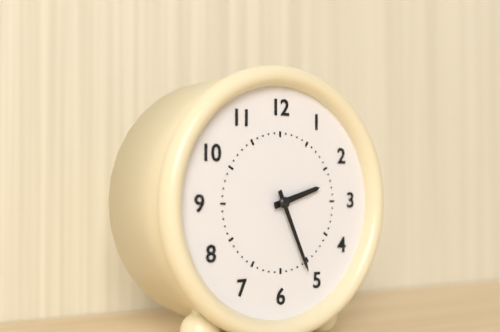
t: 2:26
